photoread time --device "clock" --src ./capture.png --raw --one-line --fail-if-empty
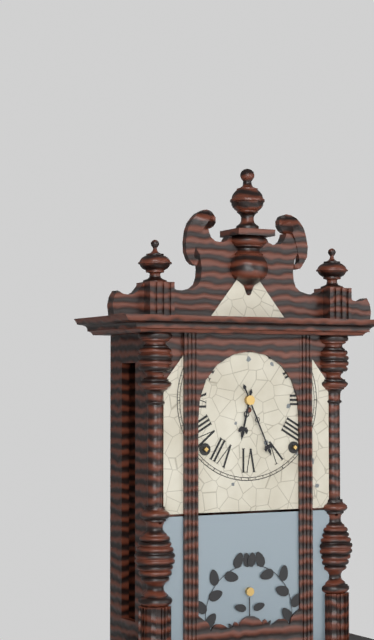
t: 6:26
